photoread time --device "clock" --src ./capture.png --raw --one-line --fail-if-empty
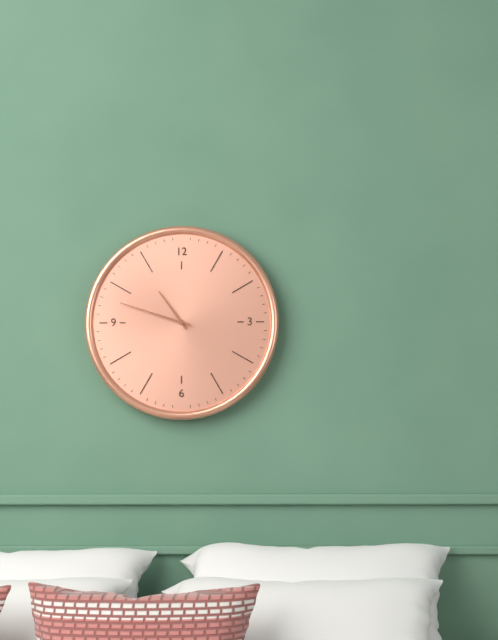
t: 10:48
